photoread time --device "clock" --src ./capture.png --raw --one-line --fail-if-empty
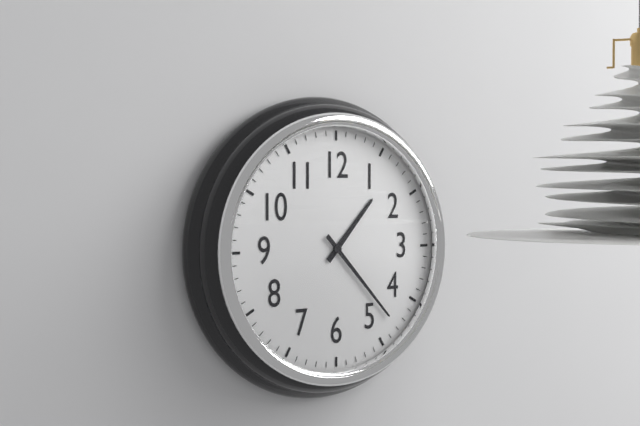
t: 1:23
